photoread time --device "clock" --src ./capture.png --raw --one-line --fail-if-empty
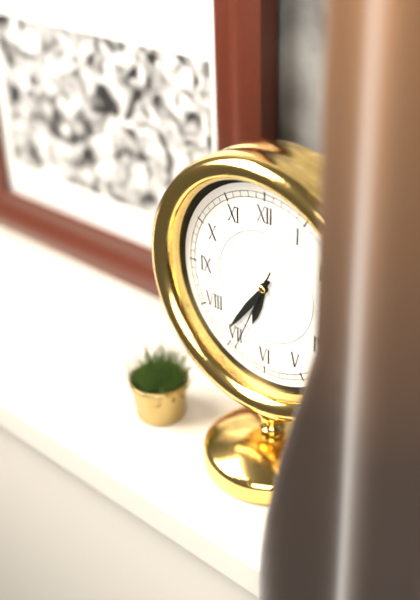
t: 6:36:34
